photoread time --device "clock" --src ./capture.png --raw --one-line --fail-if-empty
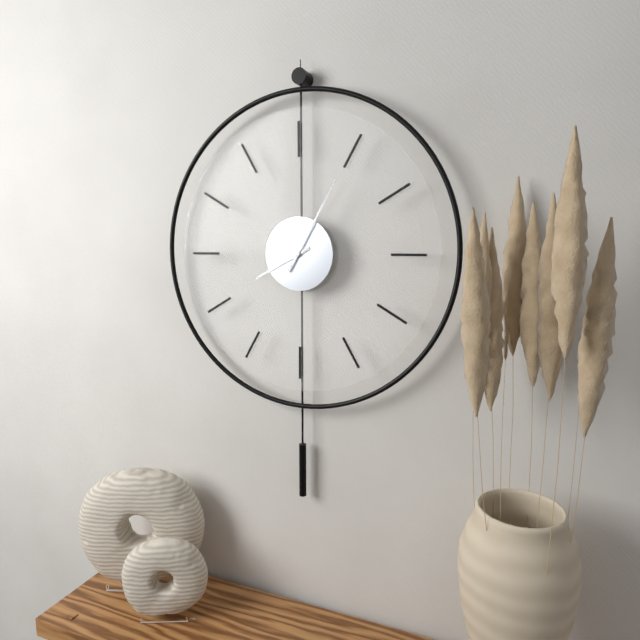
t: 8:05
